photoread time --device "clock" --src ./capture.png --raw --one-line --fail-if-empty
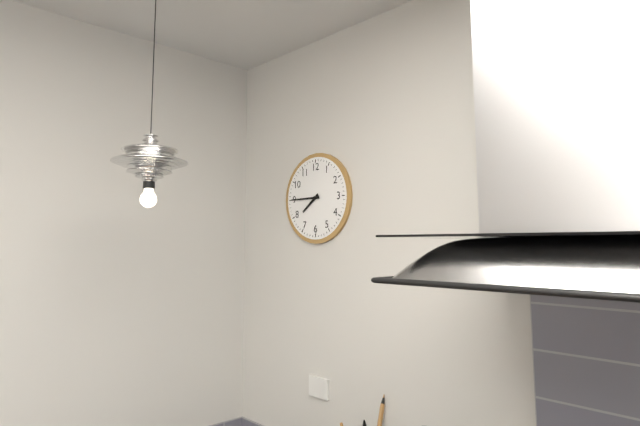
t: 7:45
